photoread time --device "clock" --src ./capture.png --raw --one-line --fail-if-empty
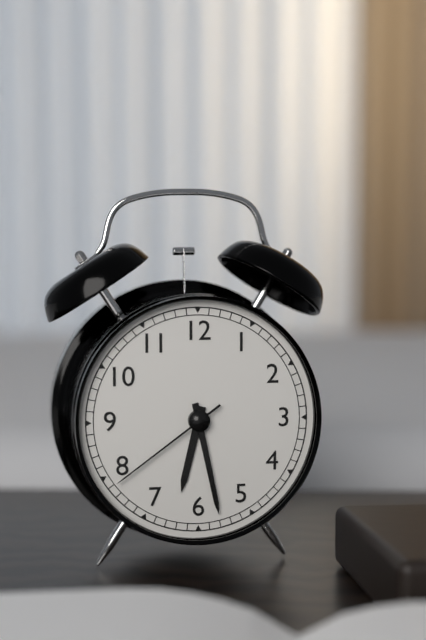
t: 6:28:39
